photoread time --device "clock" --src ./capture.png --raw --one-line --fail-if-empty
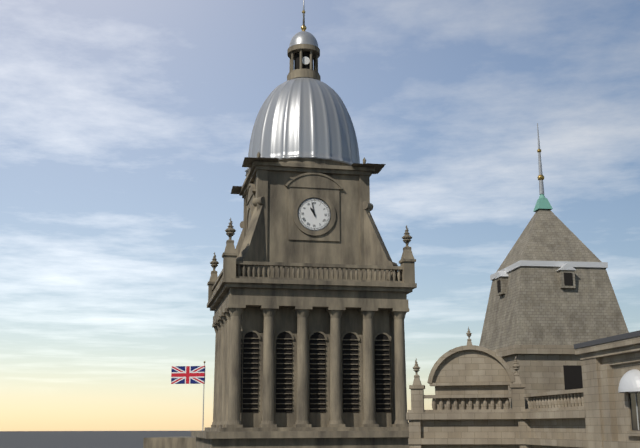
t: 10:58
